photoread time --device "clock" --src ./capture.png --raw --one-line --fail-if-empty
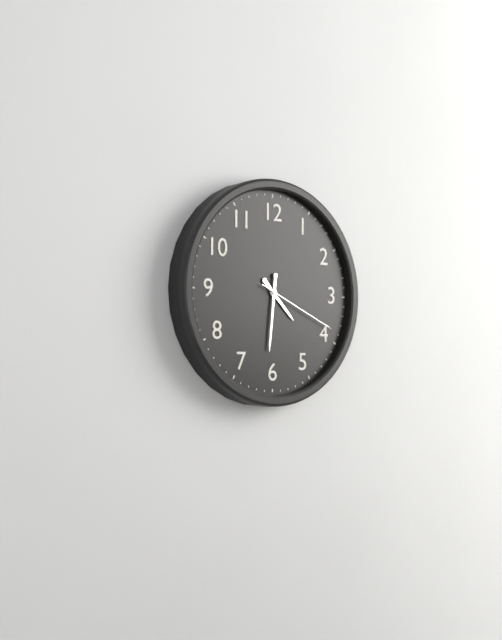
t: 4:31:19
